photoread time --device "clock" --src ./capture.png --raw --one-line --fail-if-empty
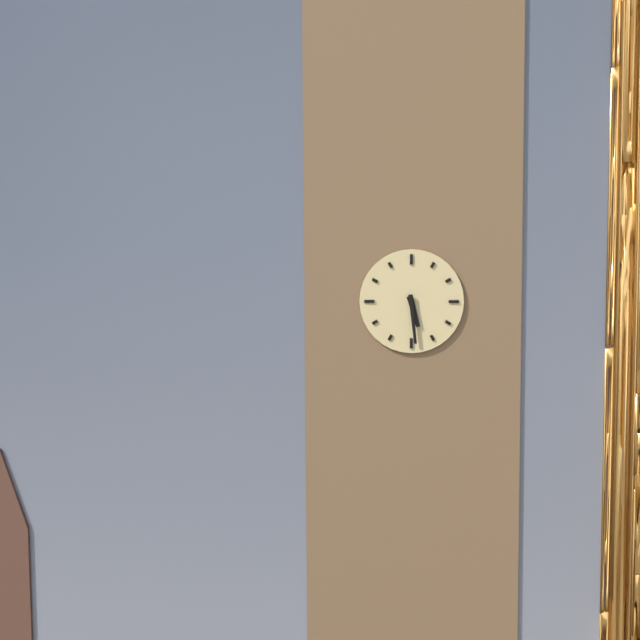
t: 5:29
